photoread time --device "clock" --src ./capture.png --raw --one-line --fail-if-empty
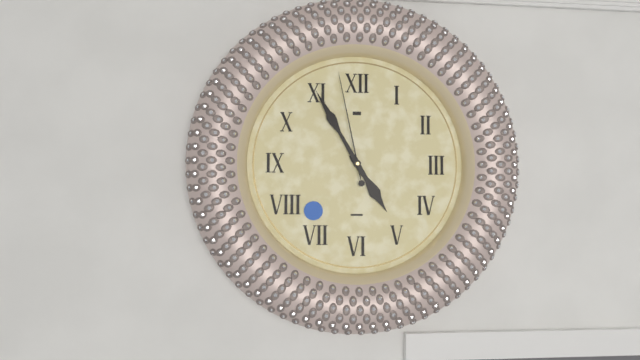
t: 4:55:58
